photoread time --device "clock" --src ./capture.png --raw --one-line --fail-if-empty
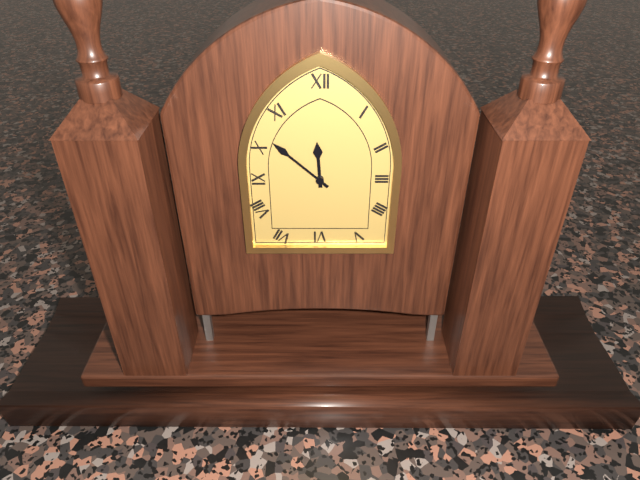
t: 11:52
